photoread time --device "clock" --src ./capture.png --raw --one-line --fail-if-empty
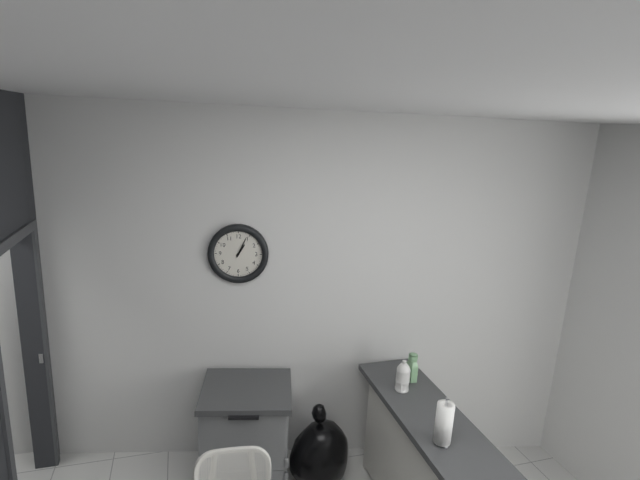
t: 1:04
